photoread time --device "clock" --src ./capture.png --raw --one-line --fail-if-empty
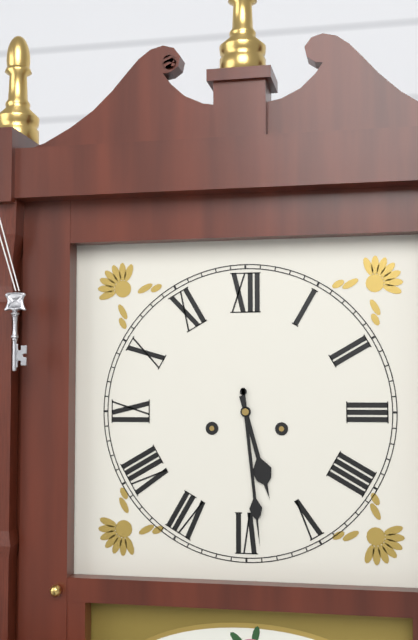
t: 5:29
